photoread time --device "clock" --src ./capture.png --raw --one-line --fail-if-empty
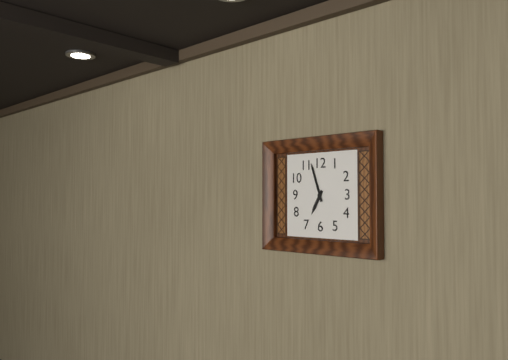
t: 6:57
